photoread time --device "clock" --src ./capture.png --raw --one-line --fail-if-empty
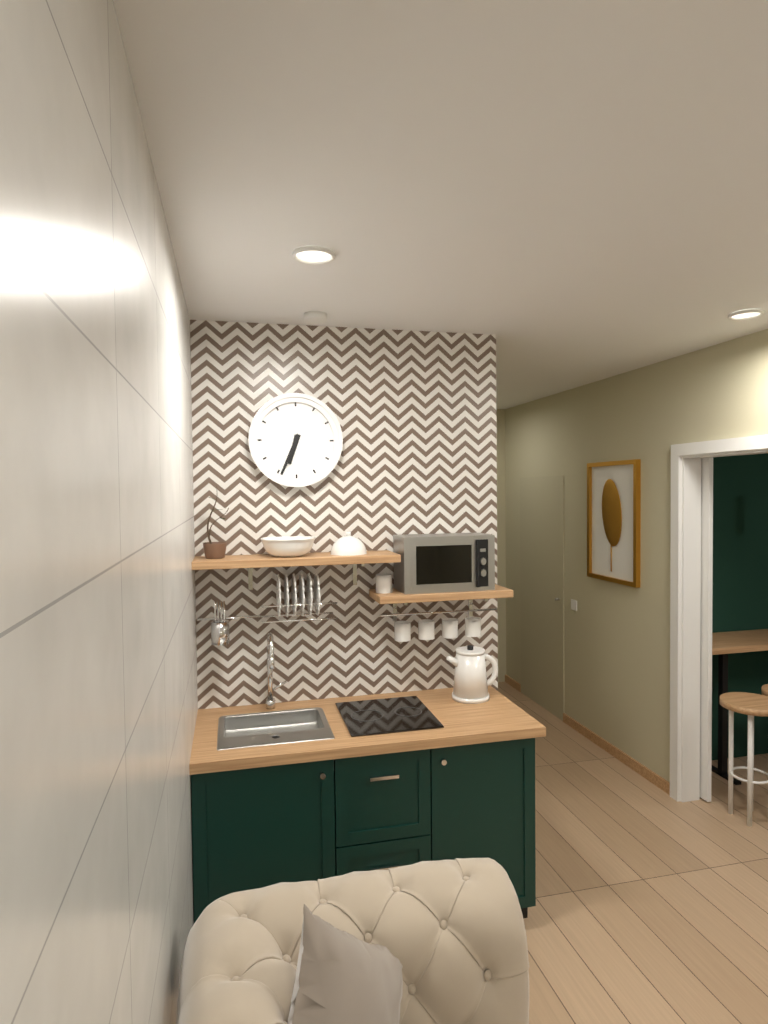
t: 6:34
